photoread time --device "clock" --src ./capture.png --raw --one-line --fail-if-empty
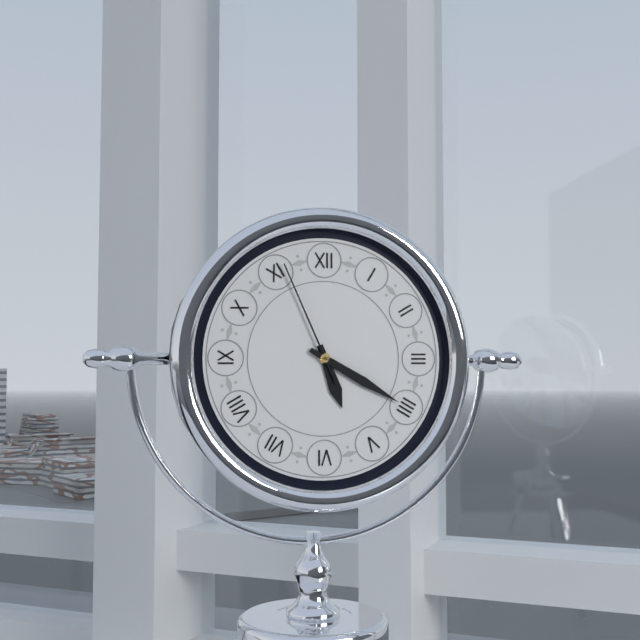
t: 5:20:56
